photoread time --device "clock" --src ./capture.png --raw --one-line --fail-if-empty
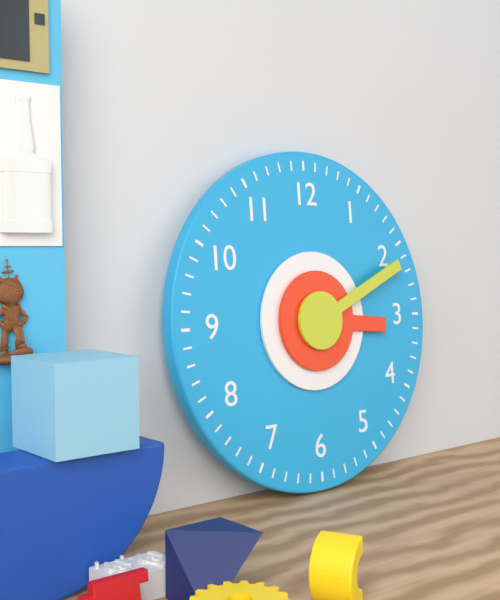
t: 3:11
